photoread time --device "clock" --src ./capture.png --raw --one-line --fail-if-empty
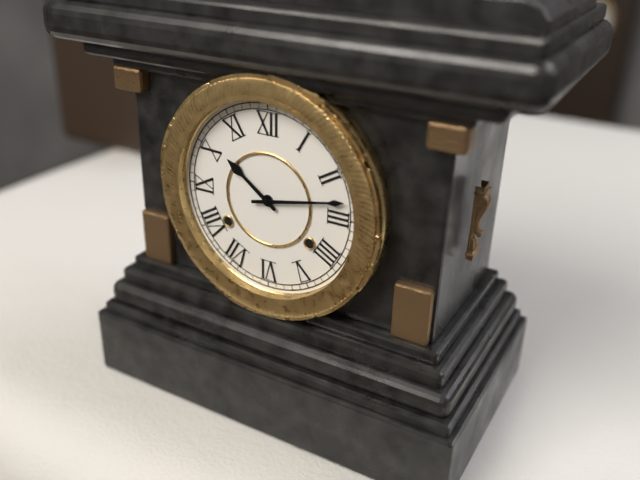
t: 10:13
